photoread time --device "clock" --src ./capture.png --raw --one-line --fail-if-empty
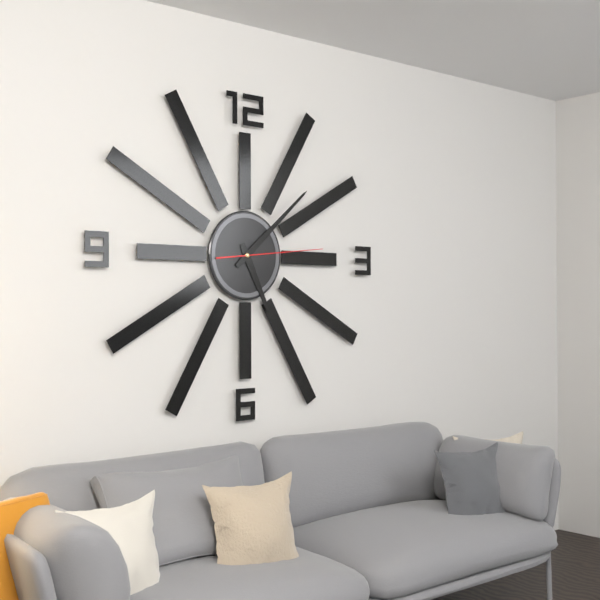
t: 5:08:14
